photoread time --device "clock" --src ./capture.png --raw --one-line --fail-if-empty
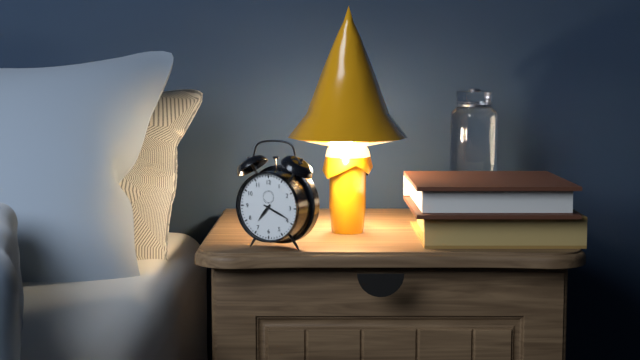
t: 7:19
